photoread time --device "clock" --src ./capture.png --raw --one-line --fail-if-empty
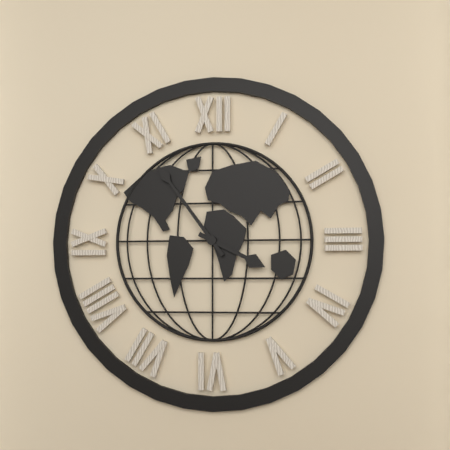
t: 3:54
